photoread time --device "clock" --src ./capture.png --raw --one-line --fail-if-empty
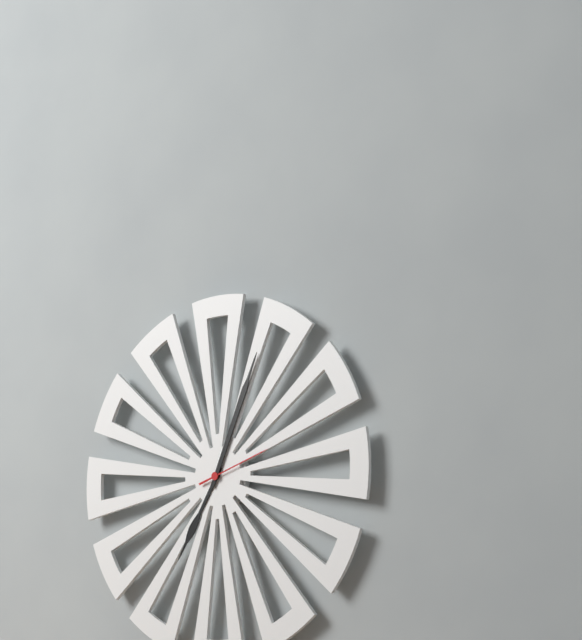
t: 7:04:12
